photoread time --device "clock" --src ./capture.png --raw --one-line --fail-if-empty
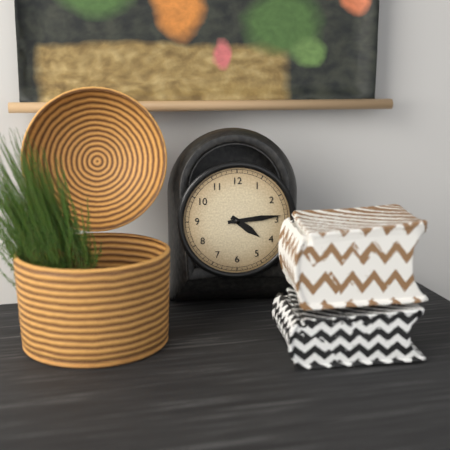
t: 4:14
